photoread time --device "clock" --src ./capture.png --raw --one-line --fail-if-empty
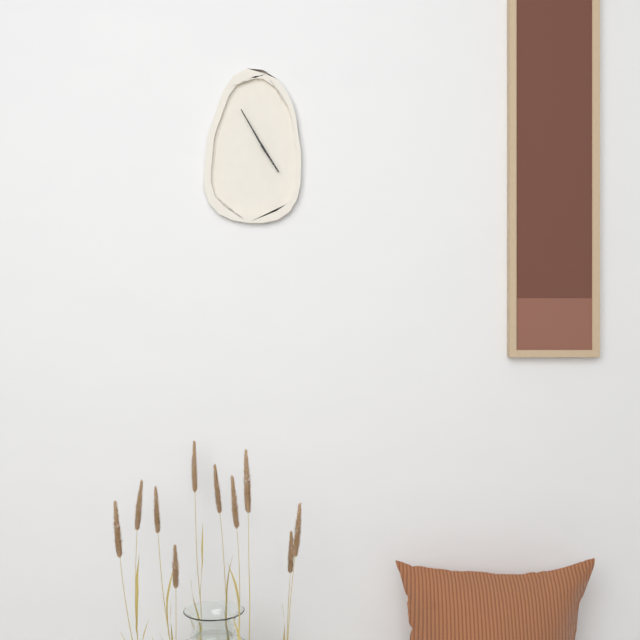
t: 4:55
